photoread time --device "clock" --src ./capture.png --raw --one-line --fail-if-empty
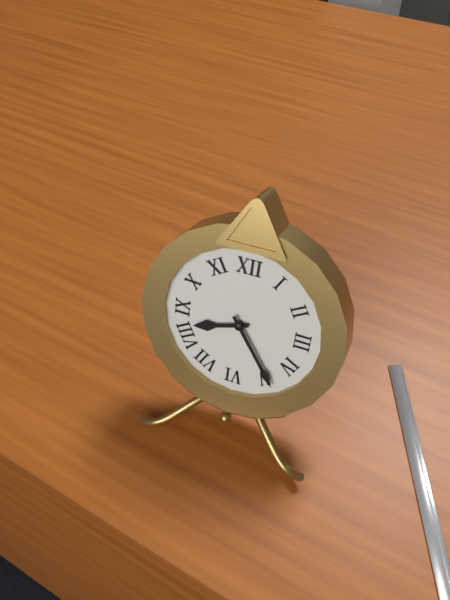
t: 8:24
